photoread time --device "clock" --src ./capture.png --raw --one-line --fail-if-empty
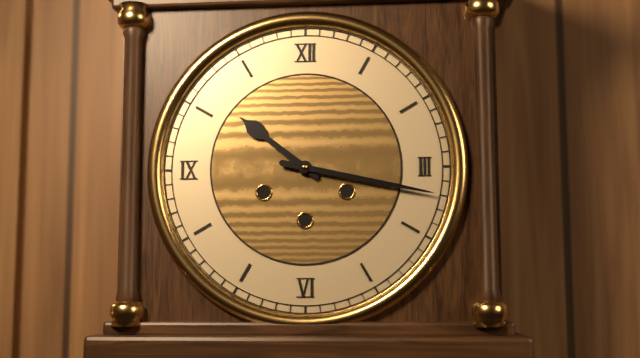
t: 10:17
